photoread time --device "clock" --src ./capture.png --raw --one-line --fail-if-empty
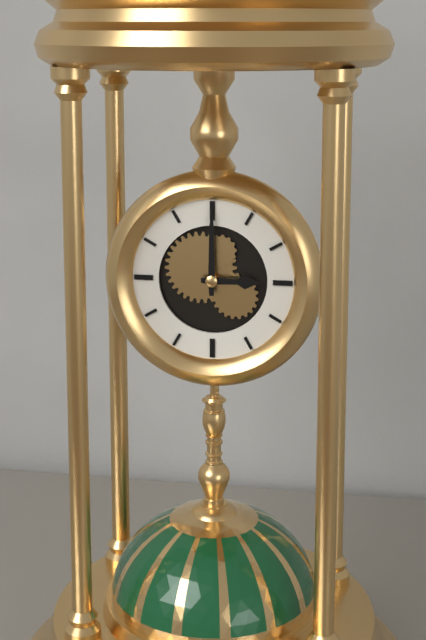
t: 3:00
